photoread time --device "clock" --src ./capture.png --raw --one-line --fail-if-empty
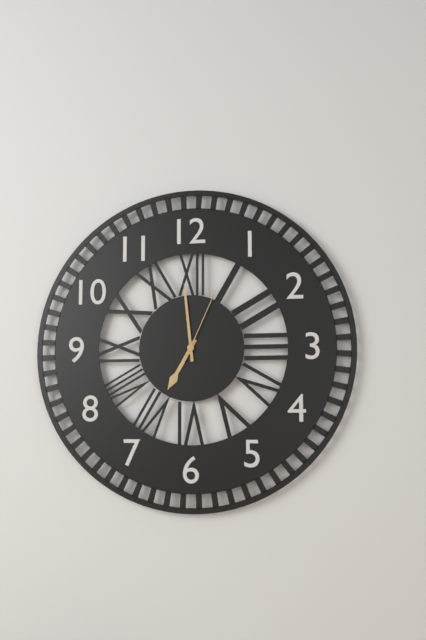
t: 6:59:04
